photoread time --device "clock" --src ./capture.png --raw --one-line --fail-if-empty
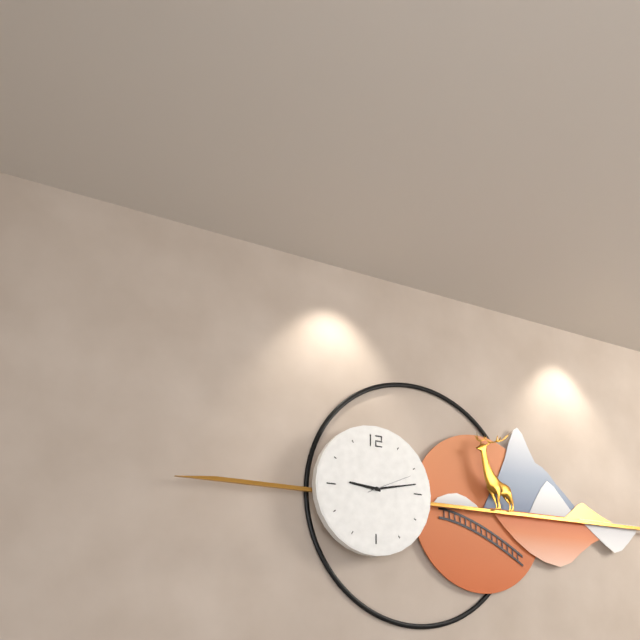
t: 9:13
